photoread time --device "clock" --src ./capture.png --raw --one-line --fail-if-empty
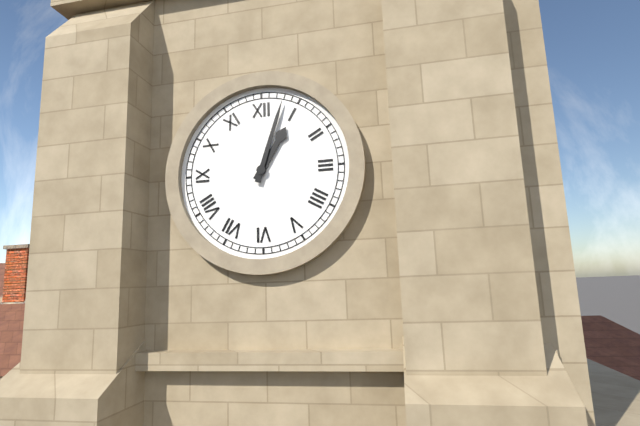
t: 1:03
